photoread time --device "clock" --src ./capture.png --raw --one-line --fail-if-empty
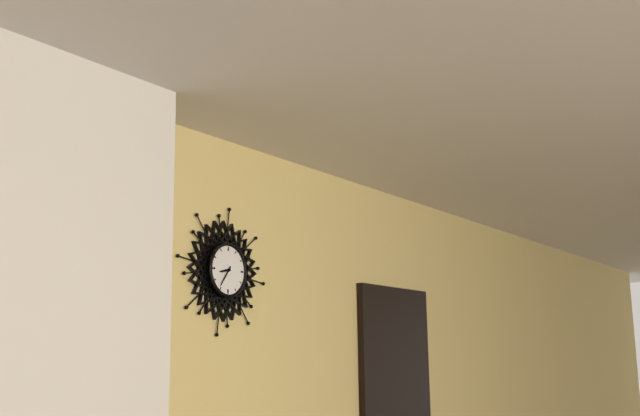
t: 8:36
